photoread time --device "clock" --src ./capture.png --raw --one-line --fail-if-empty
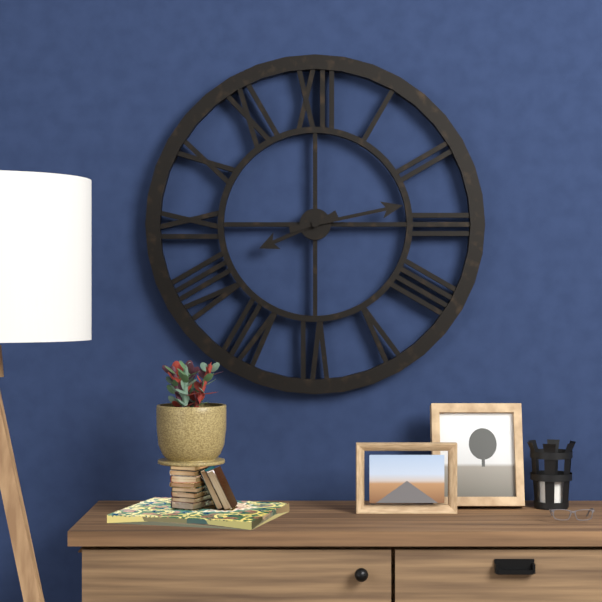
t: 8:13
